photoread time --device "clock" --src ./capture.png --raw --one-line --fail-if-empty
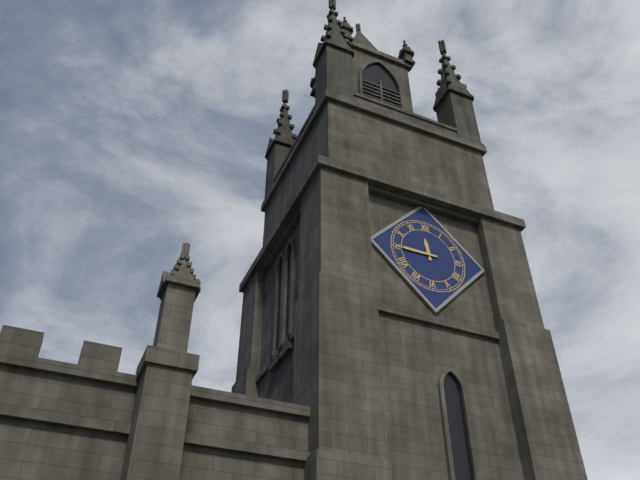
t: 11:45
